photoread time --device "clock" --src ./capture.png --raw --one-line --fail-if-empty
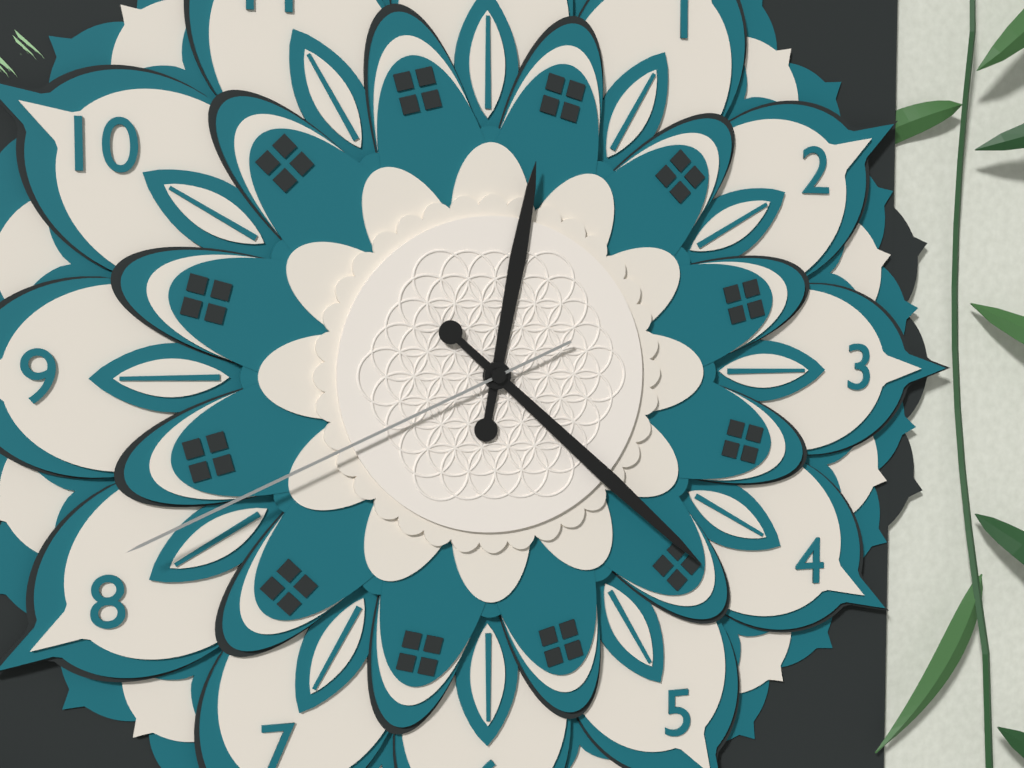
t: 12:22:41
